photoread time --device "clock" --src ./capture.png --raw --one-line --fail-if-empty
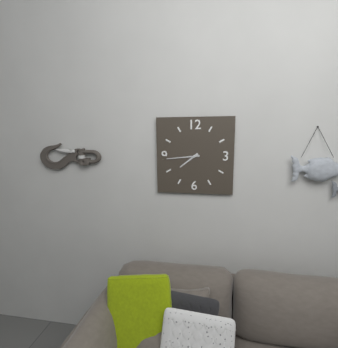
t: 7:44
